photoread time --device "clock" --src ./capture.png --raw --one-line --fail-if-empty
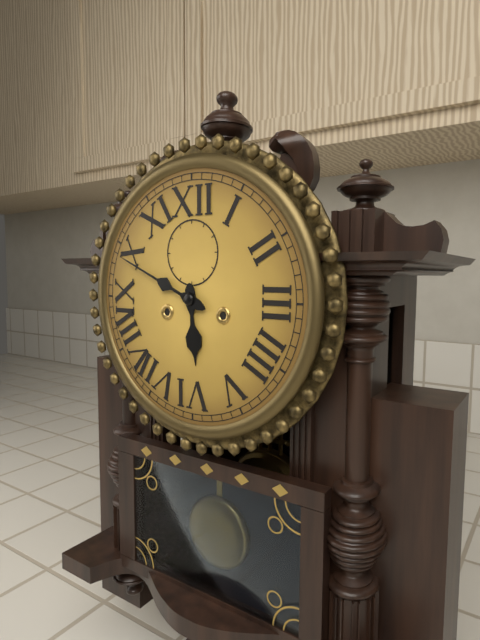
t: 5:49
